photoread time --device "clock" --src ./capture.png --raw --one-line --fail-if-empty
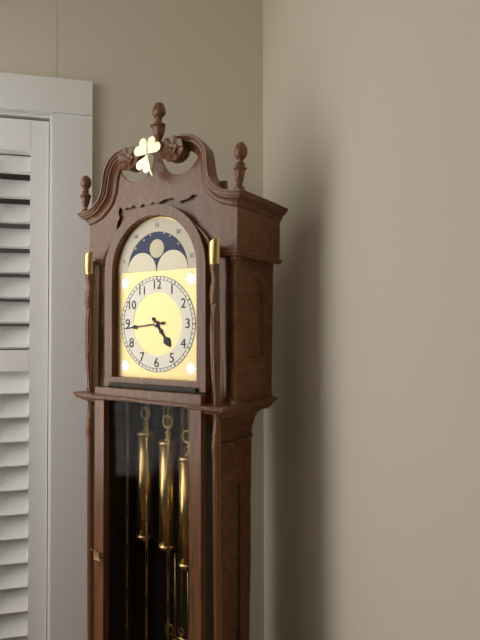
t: 4:44
